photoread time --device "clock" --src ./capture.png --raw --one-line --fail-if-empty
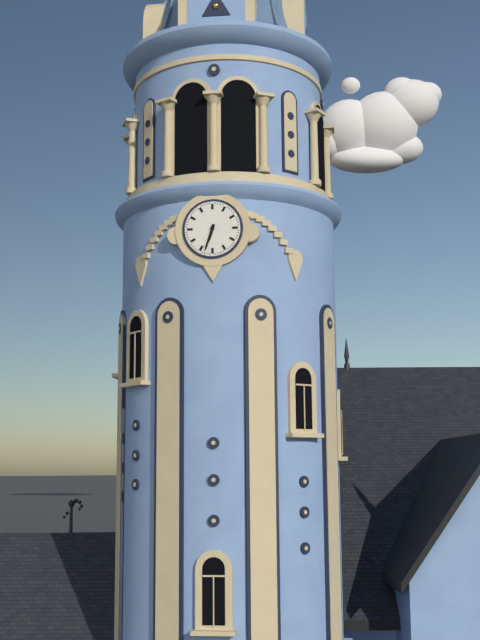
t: 6:33
